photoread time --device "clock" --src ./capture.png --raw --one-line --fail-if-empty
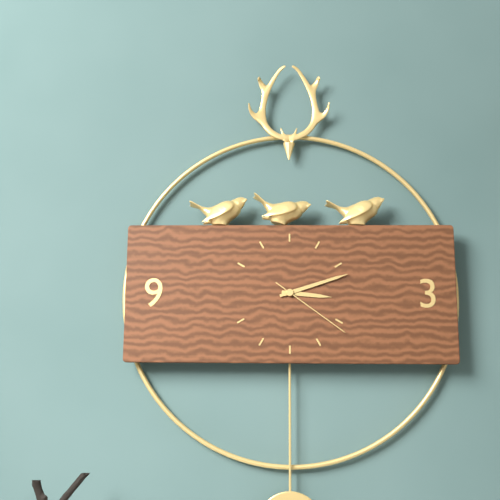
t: 3:12:21
